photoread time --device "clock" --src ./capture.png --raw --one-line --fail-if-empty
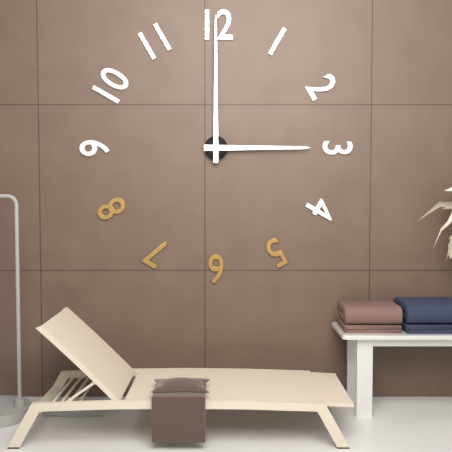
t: 3:00
